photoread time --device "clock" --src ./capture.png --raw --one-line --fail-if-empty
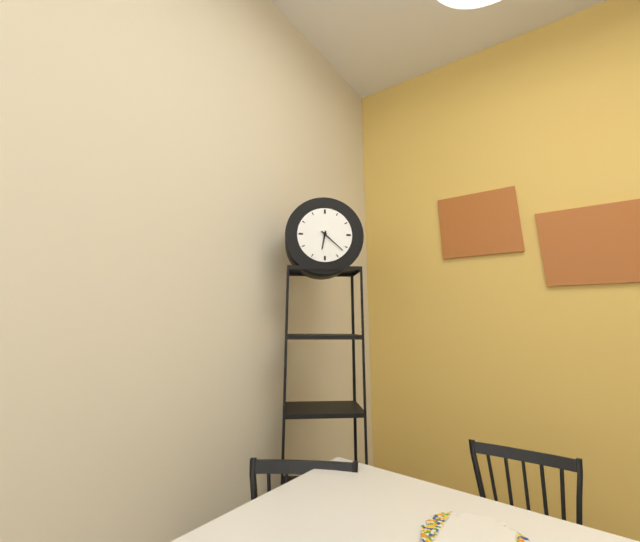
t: 6:22
